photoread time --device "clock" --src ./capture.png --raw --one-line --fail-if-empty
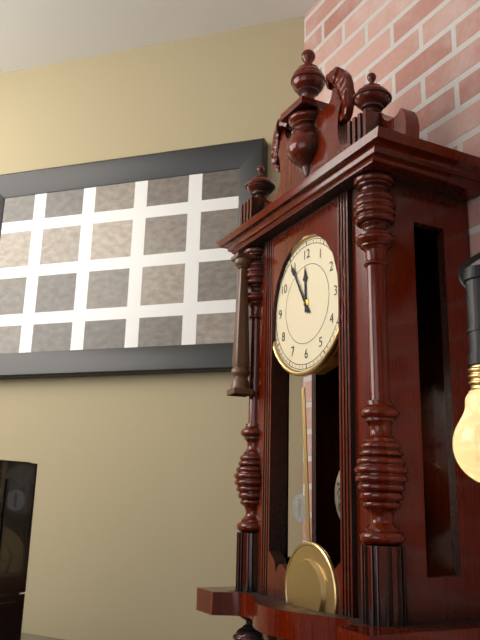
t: 11:55
